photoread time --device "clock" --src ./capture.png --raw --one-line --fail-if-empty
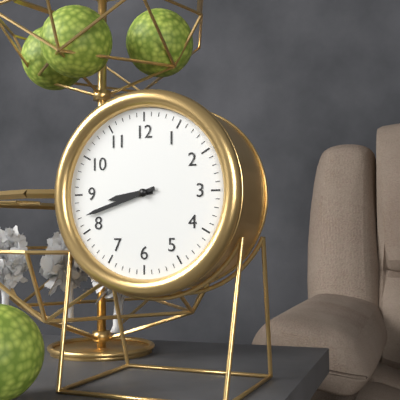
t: 8:42
